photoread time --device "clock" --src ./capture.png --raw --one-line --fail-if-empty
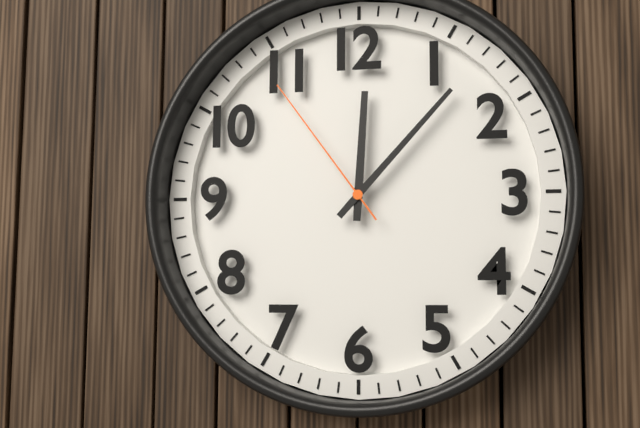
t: 12:07:54
